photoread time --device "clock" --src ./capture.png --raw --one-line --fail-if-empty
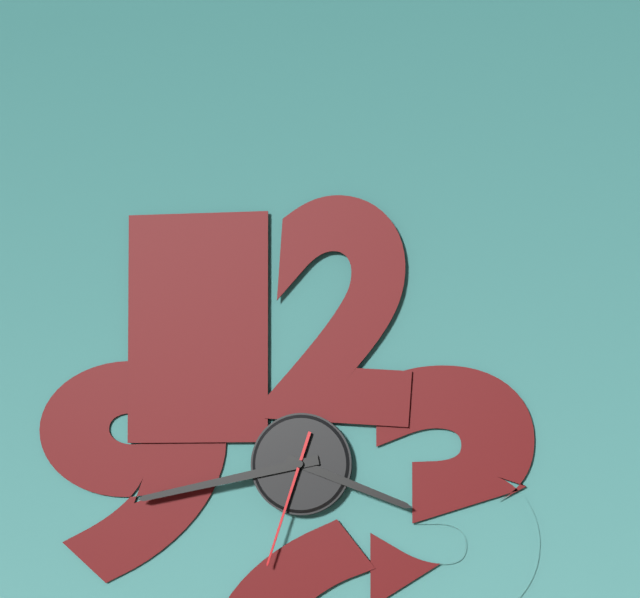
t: 3:43:33
